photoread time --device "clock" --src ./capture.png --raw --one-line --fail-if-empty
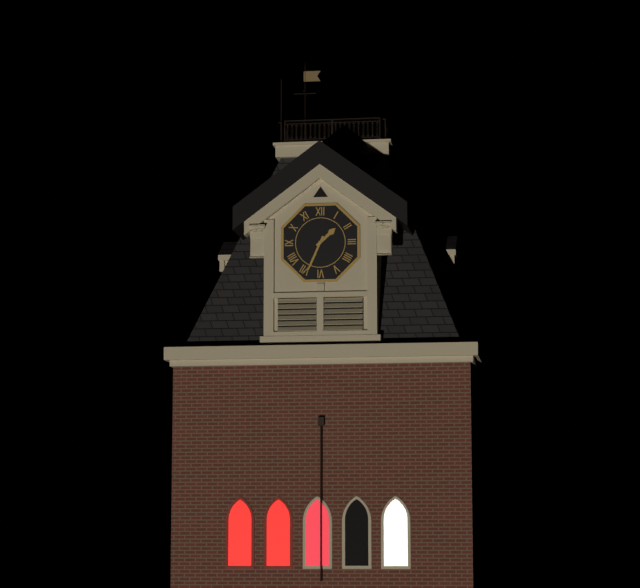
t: 1:34
